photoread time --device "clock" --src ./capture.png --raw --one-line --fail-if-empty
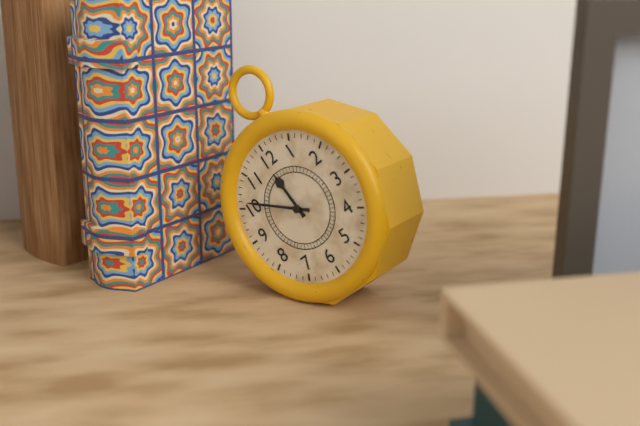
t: 11:51
